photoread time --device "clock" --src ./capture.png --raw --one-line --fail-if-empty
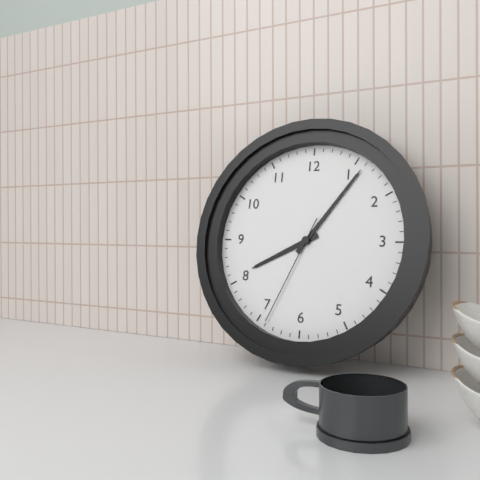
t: 8:06:34
